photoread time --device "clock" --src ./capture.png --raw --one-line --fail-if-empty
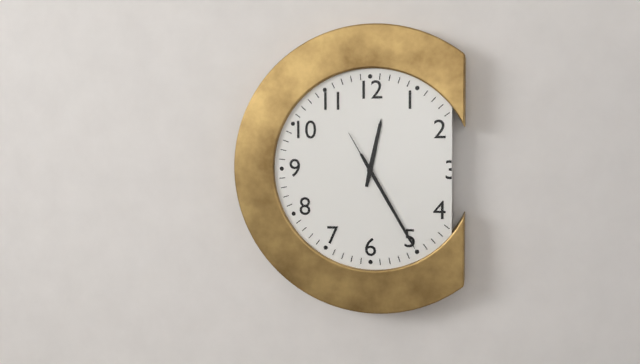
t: 12:25:55
